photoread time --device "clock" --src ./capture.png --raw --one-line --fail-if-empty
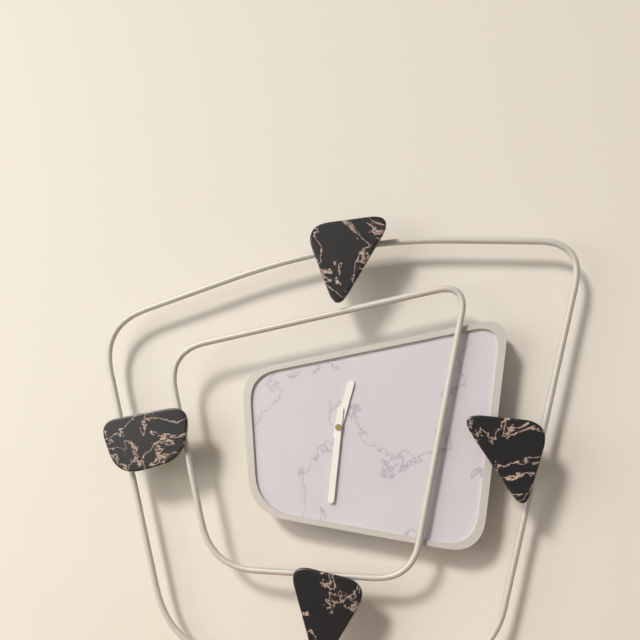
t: 12:31
